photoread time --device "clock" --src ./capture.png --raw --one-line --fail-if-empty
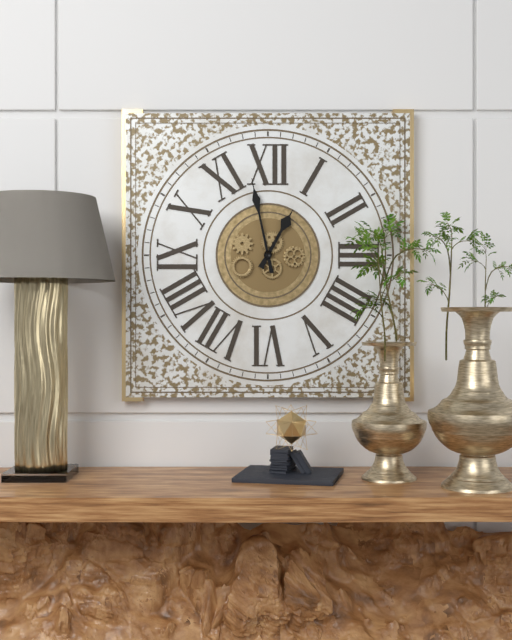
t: 12:58
